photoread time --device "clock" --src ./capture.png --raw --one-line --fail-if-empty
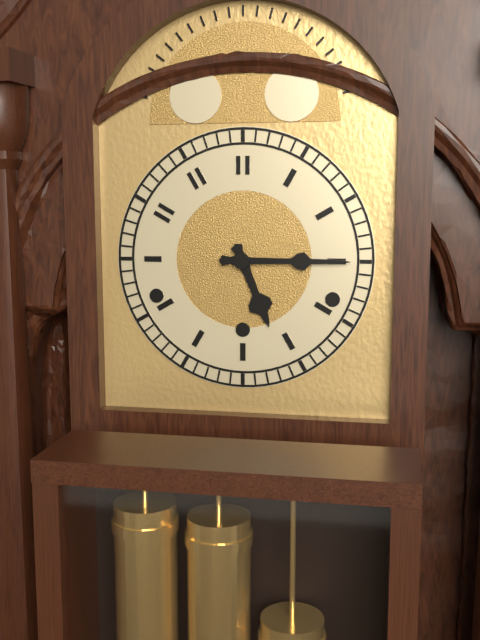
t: 5:15
